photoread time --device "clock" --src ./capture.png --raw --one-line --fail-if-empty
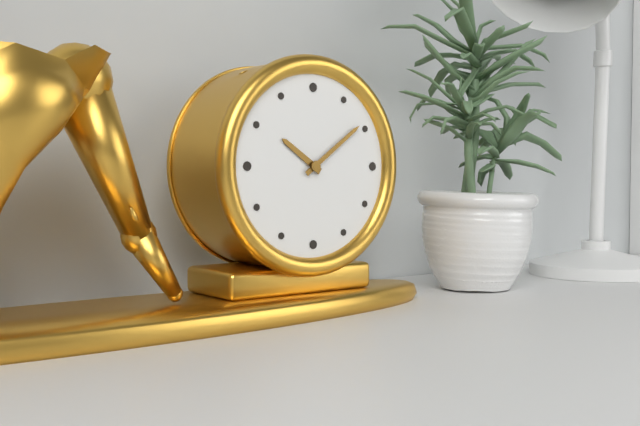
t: 10:09
